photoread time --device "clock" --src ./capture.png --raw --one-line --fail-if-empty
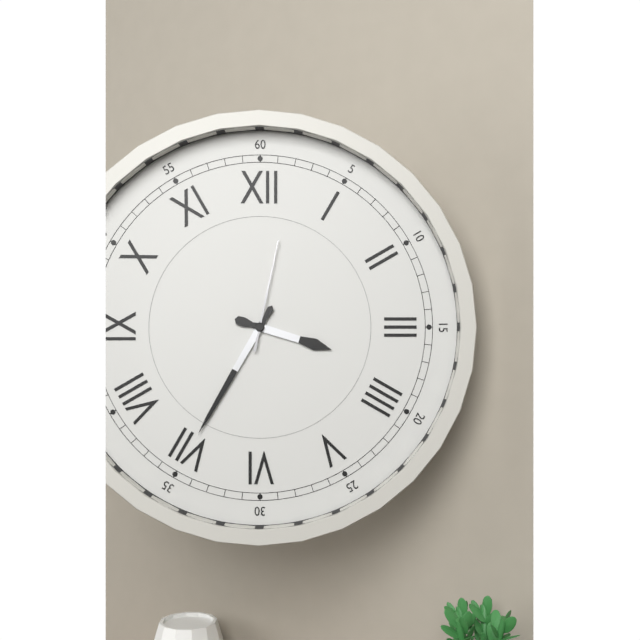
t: 3:35:02
